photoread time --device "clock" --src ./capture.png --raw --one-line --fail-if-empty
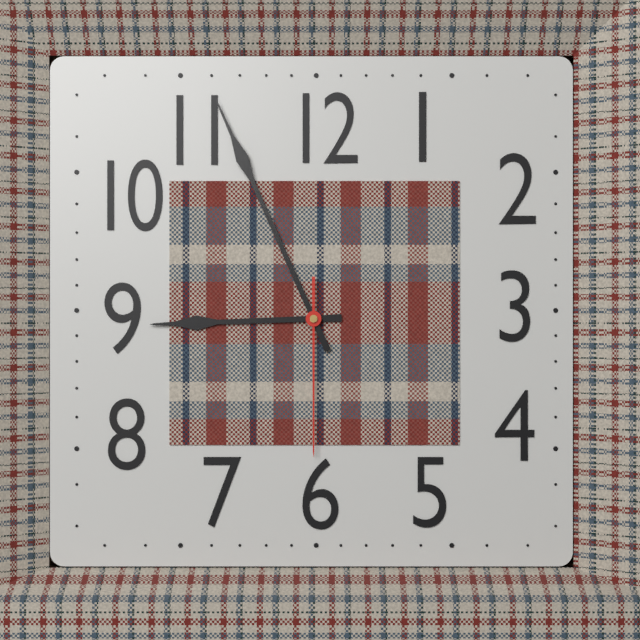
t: 8:56:30
